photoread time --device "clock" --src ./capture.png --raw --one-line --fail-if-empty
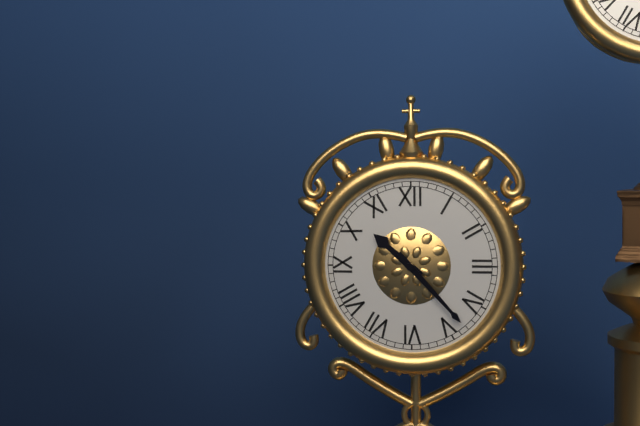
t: 10:23
